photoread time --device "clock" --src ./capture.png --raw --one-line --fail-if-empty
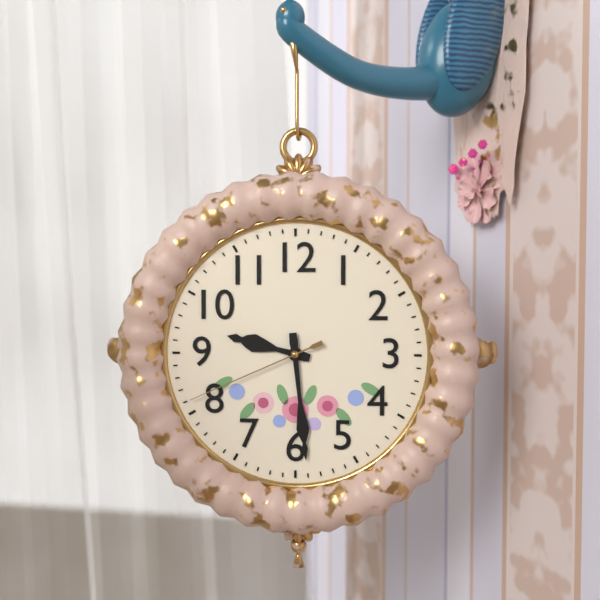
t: 9:29:41
